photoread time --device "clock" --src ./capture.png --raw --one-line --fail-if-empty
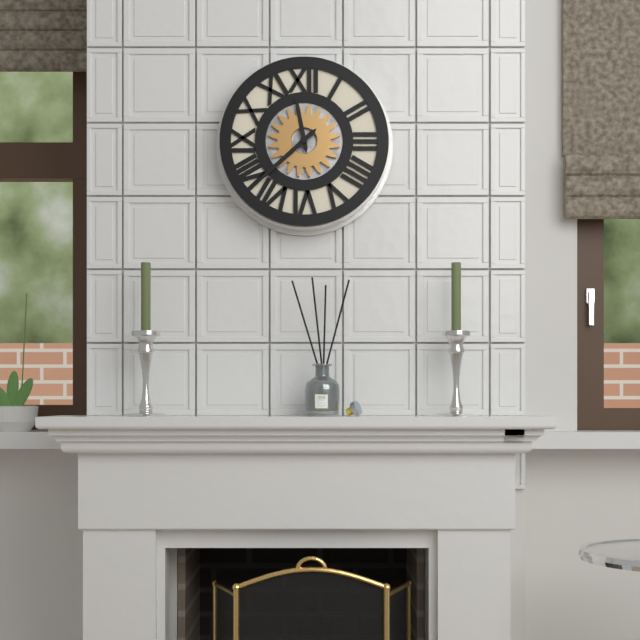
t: 11:38
